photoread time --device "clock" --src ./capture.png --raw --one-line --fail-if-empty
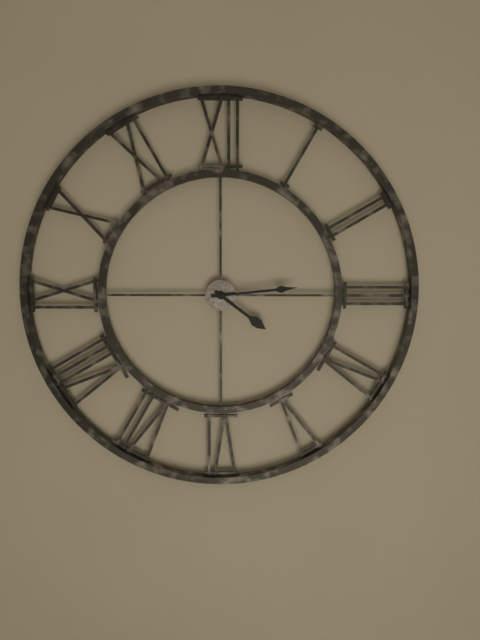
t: 4:14
